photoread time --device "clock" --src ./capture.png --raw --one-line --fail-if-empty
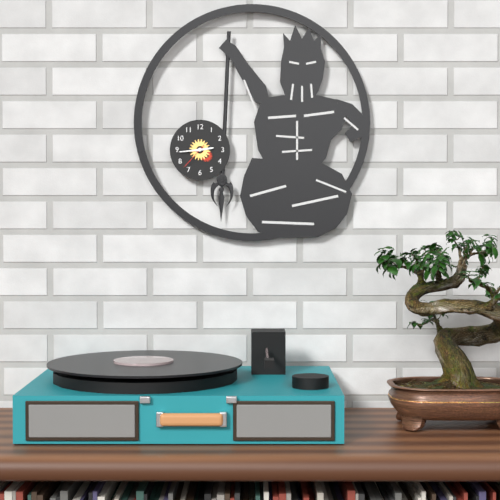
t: 2:44
